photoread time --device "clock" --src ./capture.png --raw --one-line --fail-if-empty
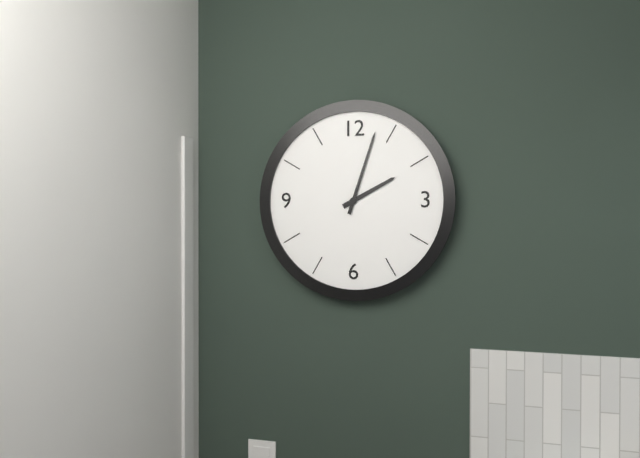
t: 2:03
